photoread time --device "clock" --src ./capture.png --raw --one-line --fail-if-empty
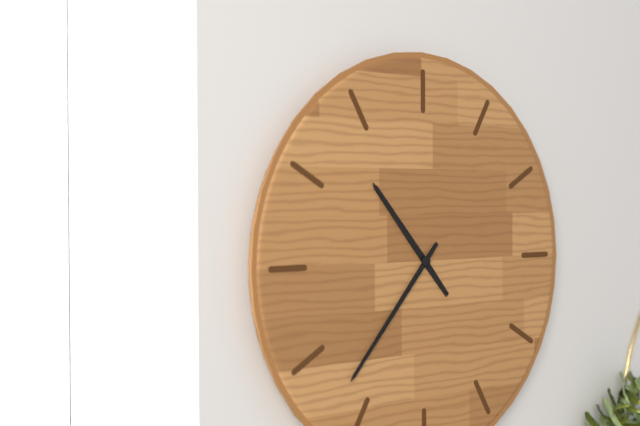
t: 10:37
